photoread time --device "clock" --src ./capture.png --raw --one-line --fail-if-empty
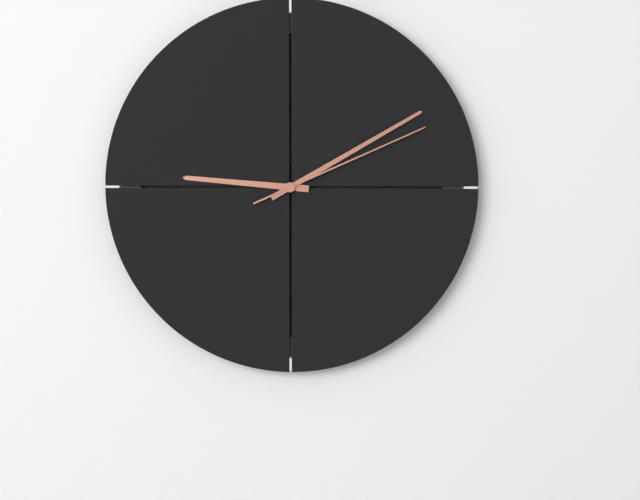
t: 9:10:11
